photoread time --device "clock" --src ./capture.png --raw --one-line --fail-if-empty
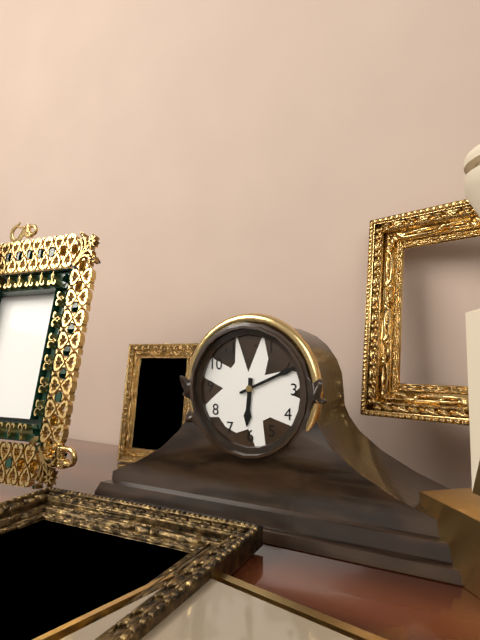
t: 6:11
